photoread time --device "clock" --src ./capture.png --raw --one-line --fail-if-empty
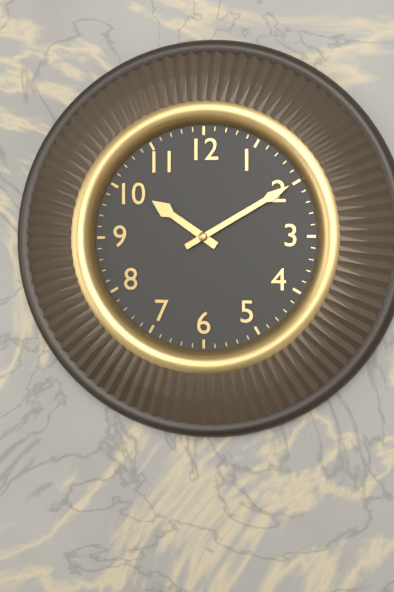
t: 10:10
